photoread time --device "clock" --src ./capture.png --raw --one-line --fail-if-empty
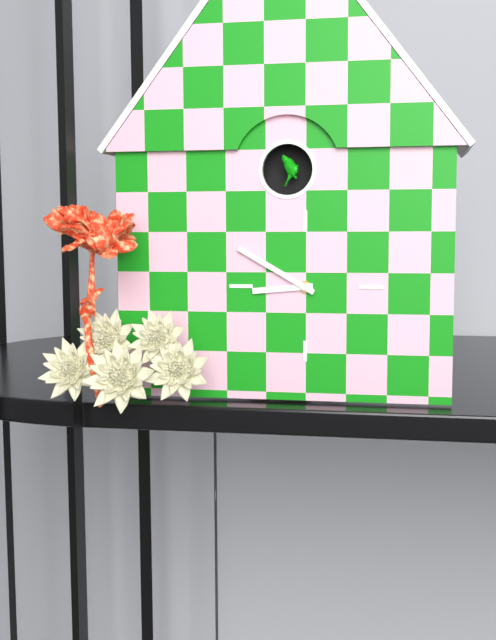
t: 8:50
